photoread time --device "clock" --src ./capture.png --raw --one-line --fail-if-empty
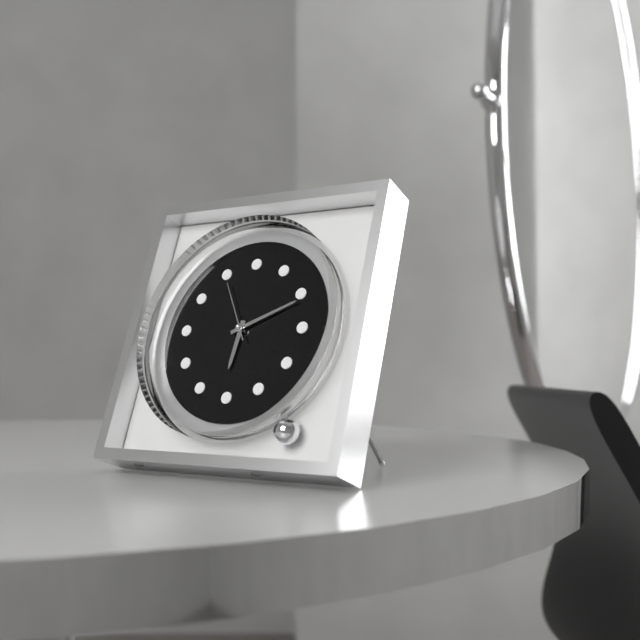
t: 6:11:55
